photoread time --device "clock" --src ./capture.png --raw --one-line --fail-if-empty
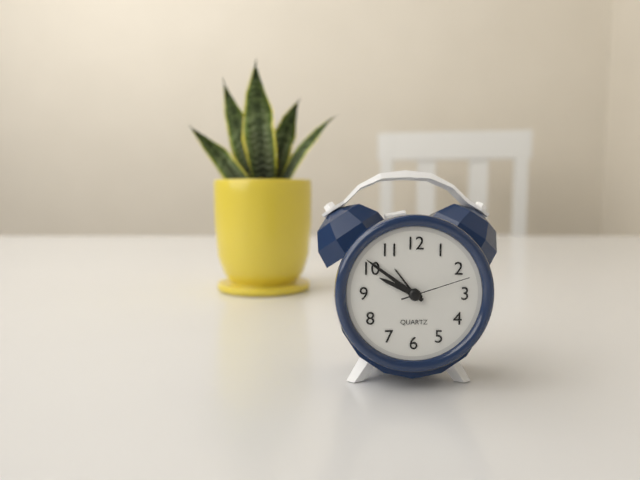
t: 9:51:12
